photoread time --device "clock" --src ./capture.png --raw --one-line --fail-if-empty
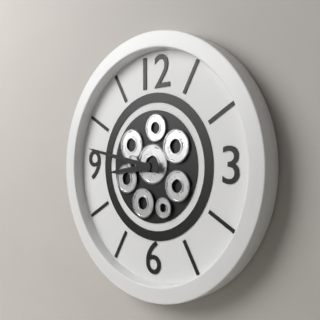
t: 8:47
